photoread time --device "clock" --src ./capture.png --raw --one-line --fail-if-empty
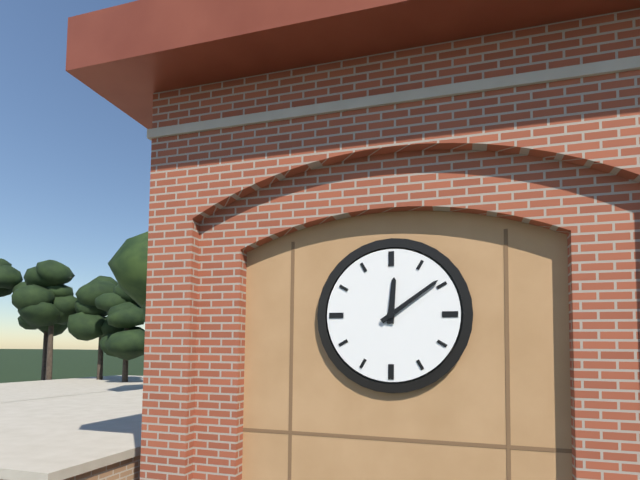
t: 12:09
